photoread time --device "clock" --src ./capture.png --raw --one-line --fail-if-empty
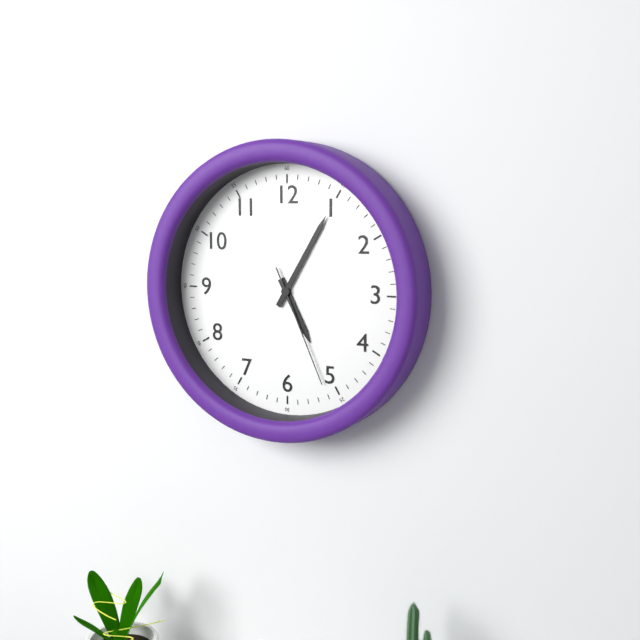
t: 5:05:26
